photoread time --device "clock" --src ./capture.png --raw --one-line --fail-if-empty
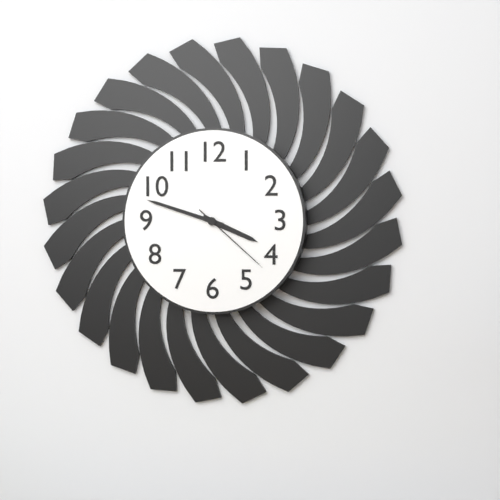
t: 3:48:22
